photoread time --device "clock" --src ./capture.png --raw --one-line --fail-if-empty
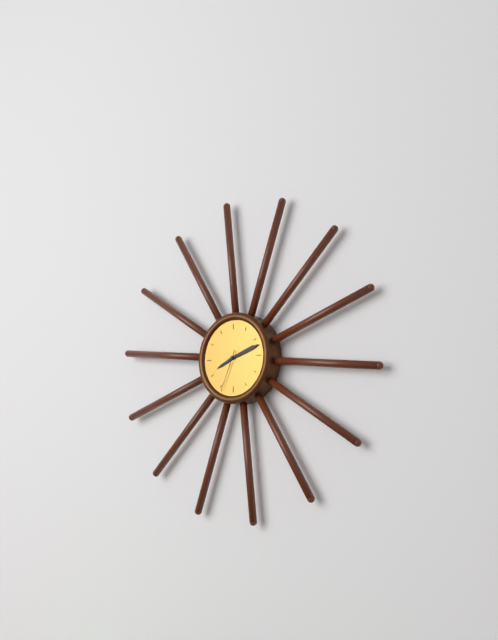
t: 8:12
